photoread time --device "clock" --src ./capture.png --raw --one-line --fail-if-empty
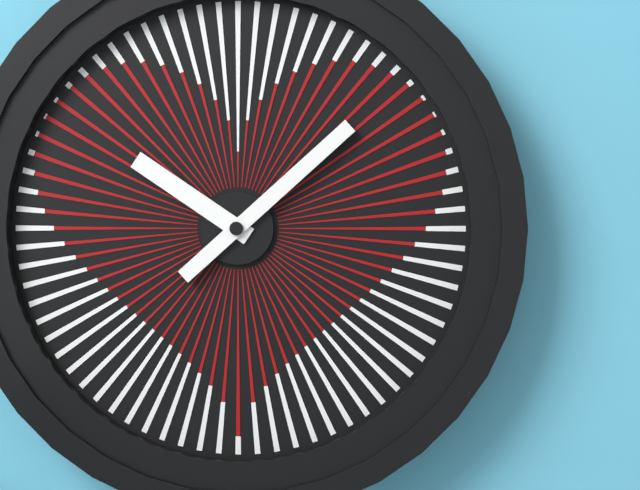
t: 10:08
